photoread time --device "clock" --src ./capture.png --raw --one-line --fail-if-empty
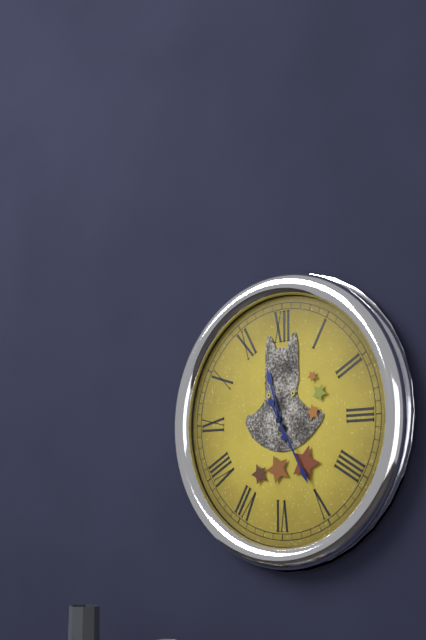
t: 11:25
